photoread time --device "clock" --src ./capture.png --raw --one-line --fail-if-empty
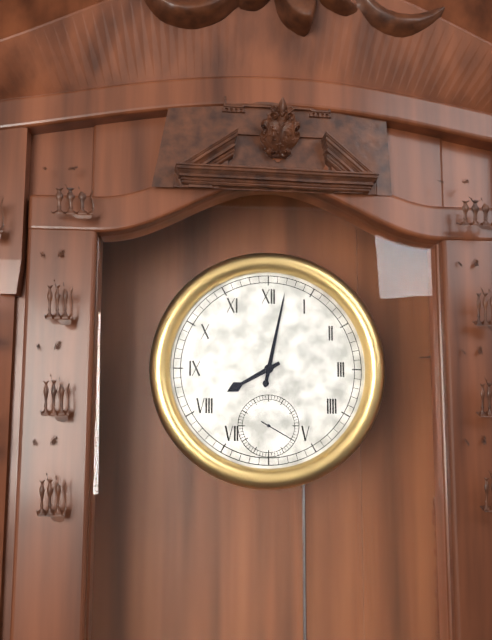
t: 8:02
